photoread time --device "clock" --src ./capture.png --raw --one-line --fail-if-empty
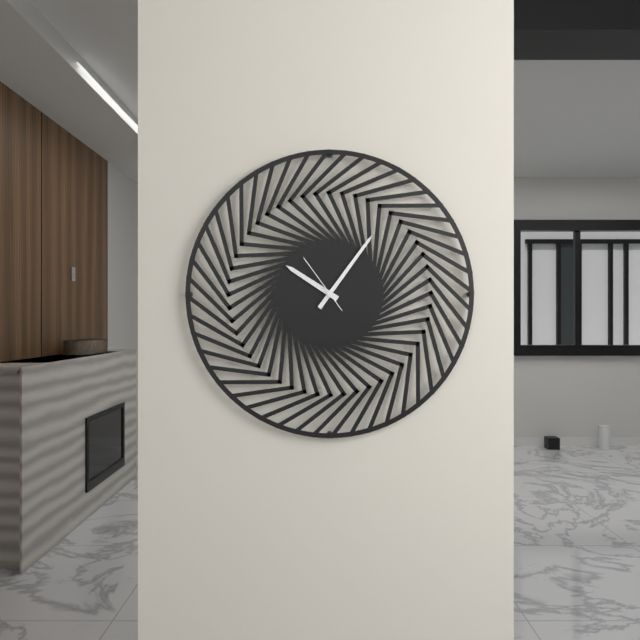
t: 10:06:54
